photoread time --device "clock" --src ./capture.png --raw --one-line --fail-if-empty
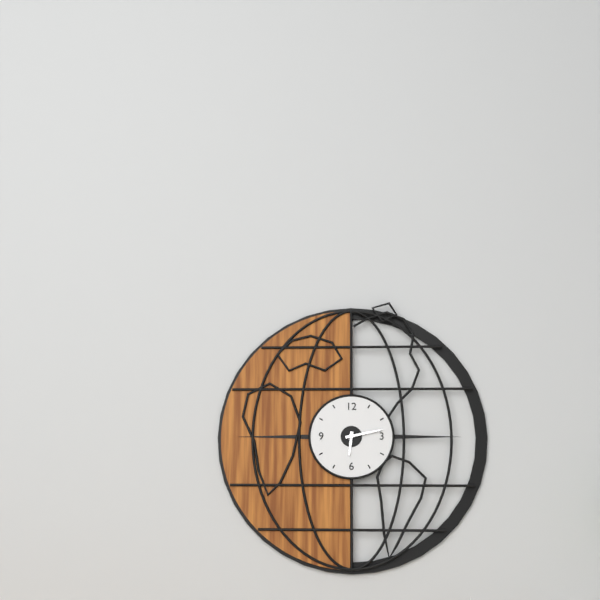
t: 6:13
